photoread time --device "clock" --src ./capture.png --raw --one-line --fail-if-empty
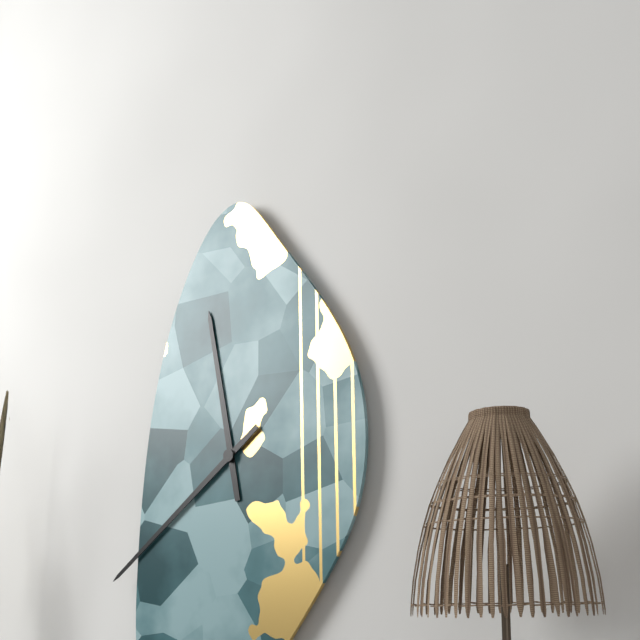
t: 11:39
